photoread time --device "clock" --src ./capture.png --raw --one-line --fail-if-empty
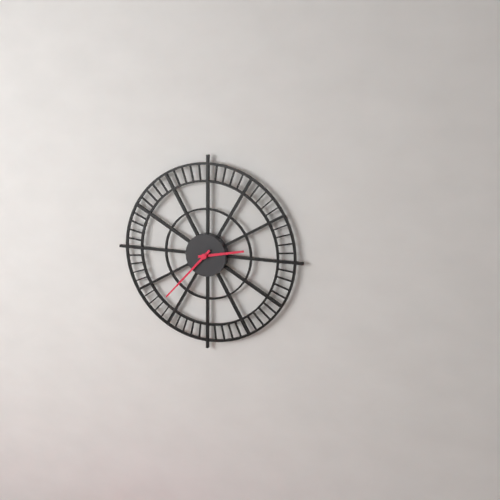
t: 2:37
